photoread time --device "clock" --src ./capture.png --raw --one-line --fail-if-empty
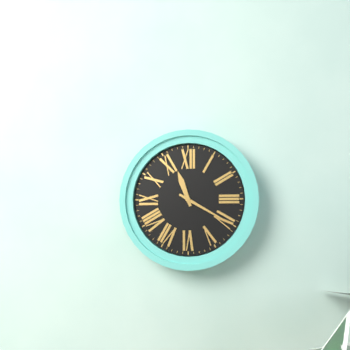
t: 11:20
